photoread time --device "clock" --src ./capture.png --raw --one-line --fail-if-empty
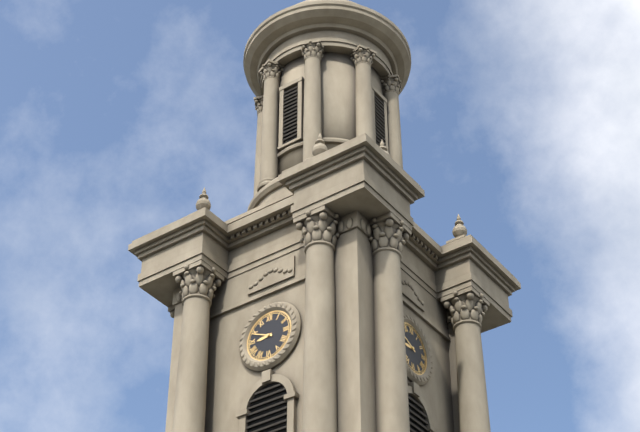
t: 8:49
